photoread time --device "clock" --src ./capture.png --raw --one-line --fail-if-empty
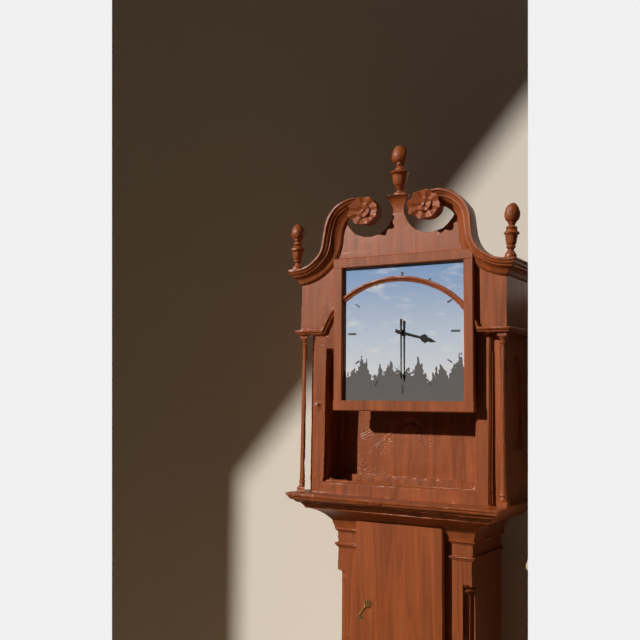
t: 3:30
